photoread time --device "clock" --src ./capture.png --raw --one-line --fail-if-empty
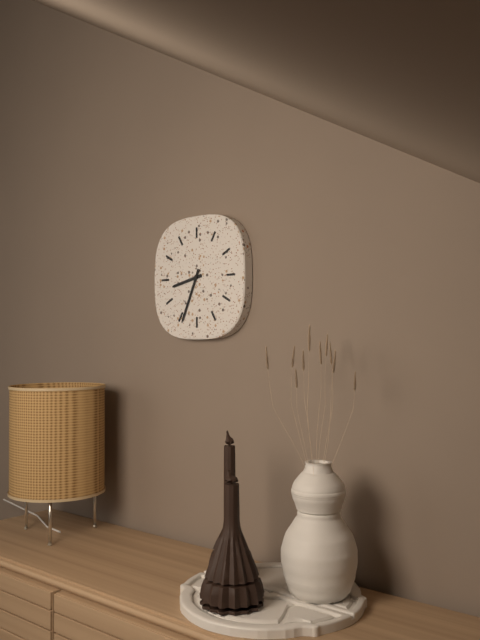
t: 8:34
